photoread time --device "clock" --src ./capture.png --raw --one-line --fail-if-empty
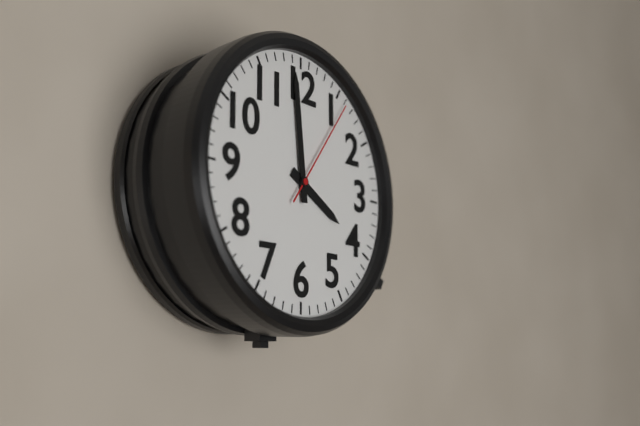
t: 3:59:06
